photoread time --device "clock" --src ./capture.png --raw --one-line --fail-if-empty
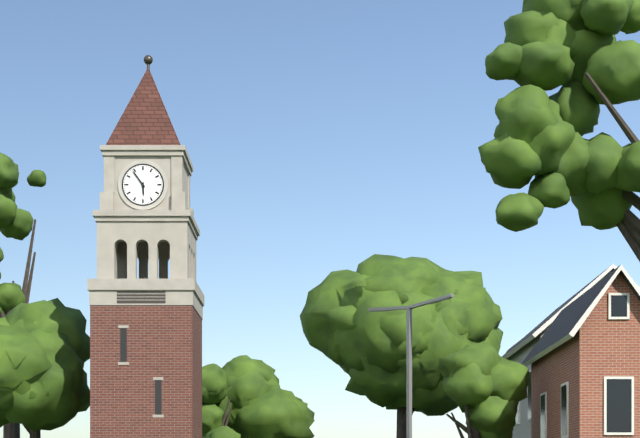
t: 5:54
